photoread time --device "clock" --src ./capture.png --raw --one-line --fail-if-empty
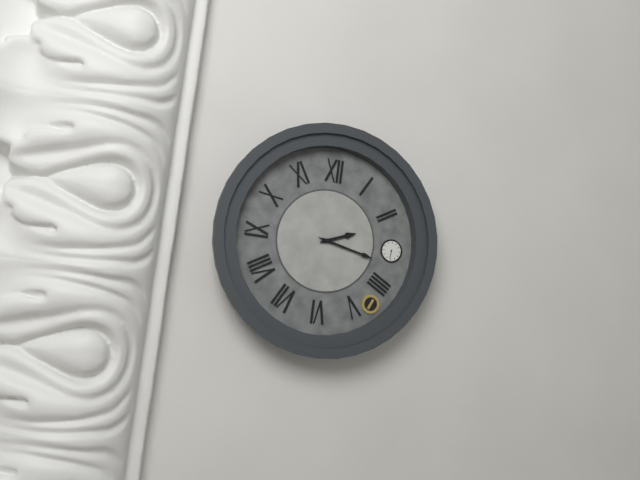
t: 2:17
